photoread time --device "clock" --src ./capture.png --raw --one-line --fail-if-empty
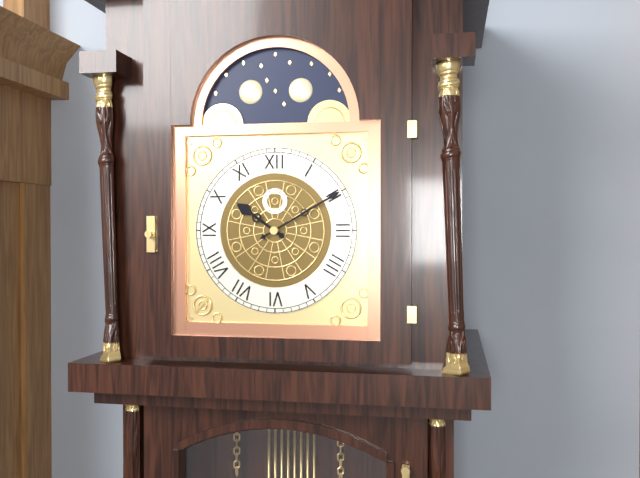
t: 10:10
